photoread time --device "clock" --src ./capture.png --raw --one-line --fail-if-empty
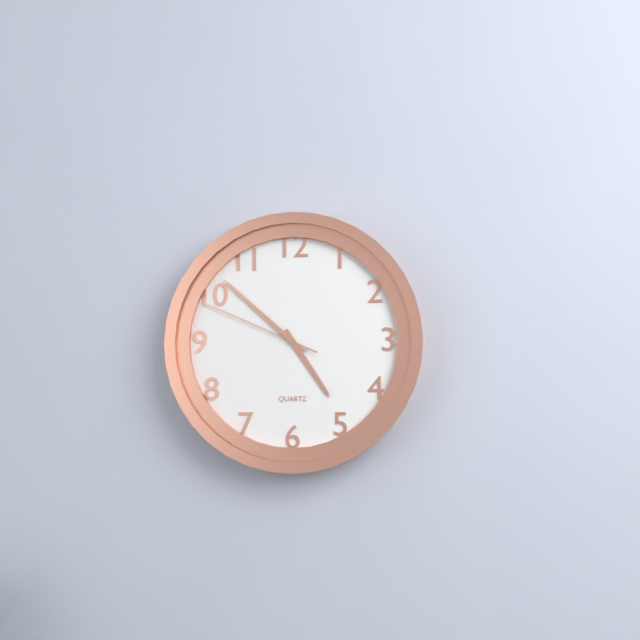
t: 4:52:49
